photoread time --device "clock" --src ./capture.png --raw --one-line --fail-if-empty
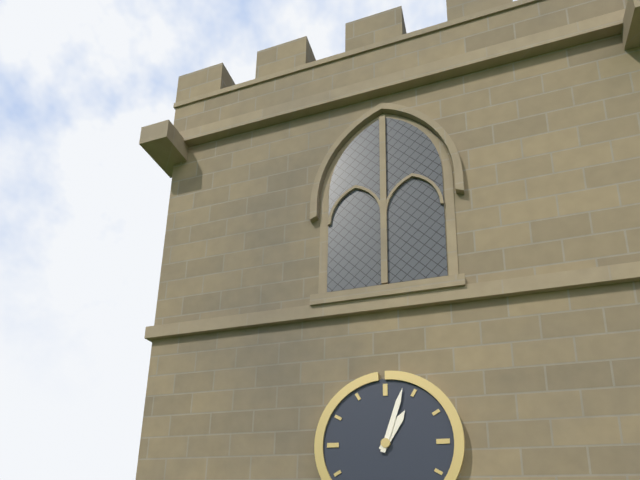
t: 1:03
